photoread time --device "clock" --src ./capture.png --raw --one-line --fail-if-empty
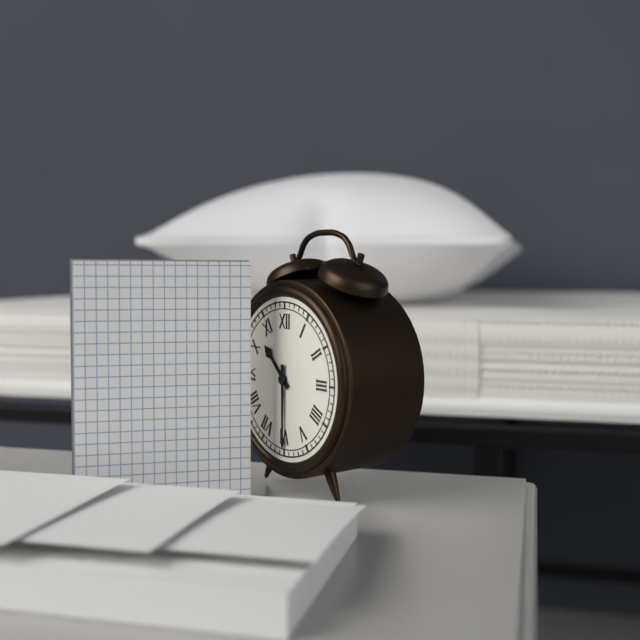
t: 10:30
